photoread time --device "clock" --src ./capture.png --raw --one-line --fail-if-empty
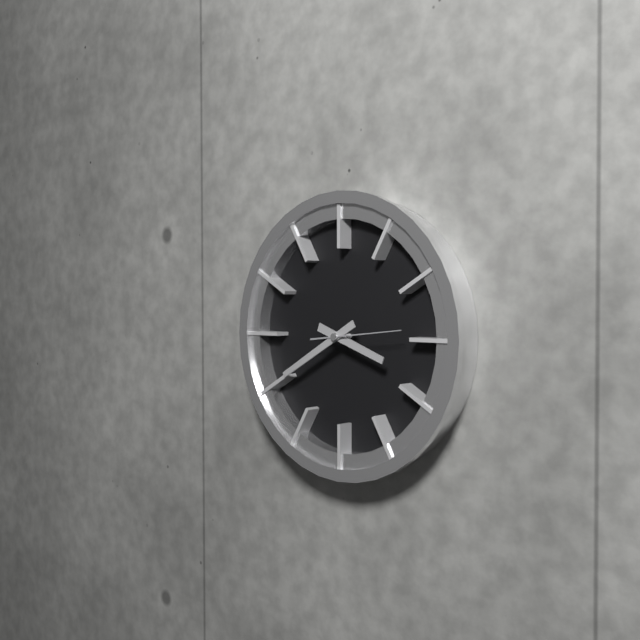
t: 3:40
